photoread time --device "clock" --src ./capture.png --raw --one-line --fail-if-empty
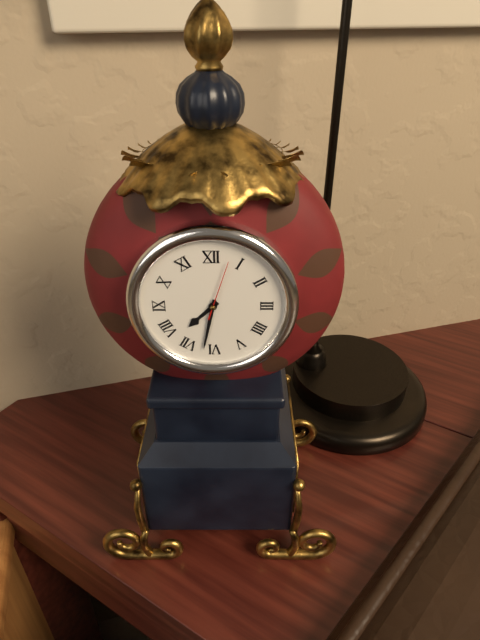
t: 7:32:03
